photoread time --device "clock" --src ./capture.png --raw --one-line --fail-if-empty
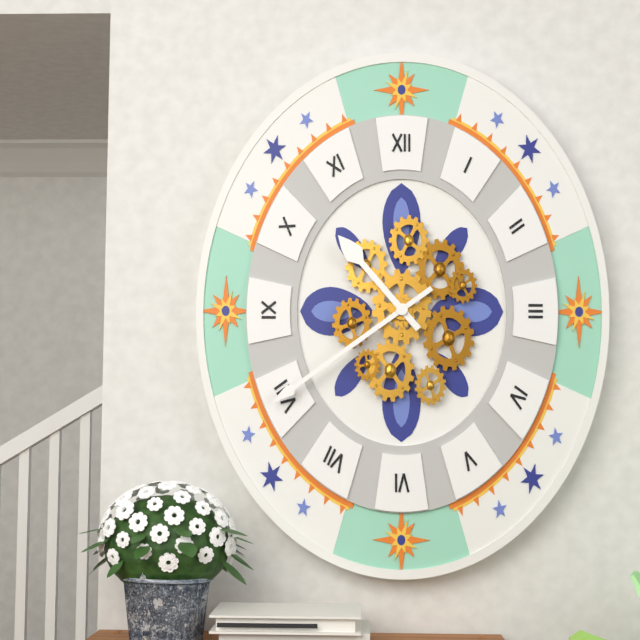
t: 10:39
